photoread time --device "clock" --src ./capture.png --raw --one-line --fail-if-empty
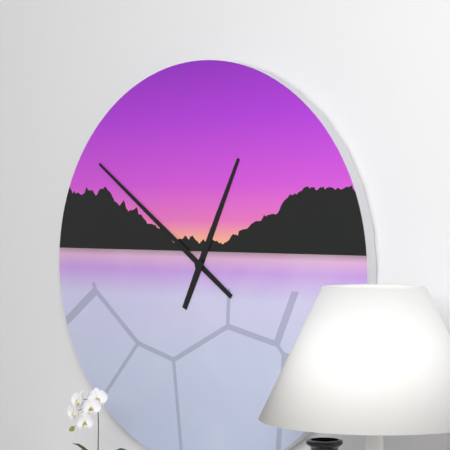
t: 12:51
